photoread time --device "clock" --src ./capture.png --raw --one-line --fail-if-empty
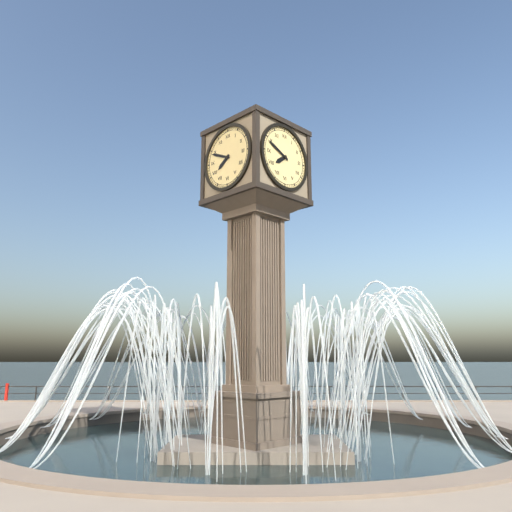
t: 7:49
